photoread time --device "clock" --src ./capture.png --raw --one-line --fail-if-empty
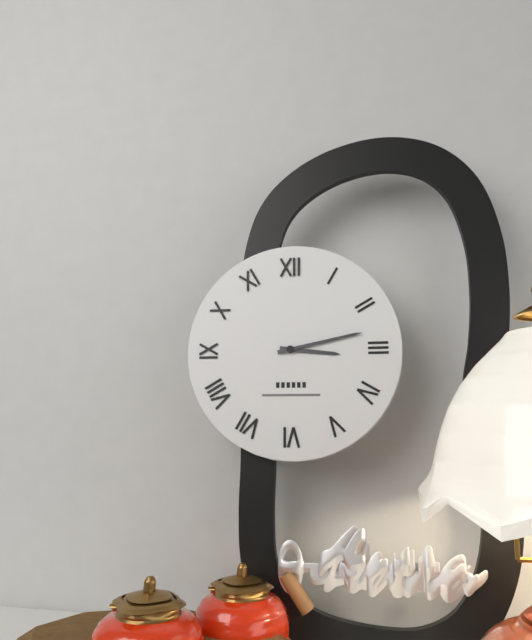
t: 3:13
